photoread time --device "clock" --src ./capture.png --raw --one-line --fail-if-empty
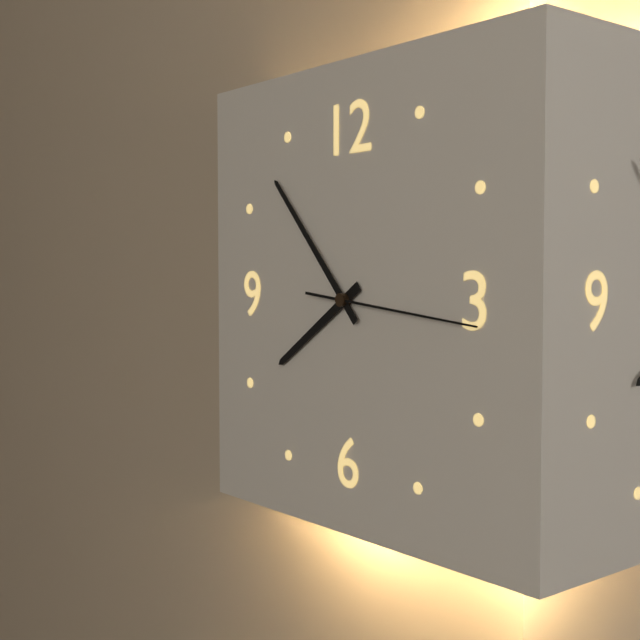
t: 7:53:16
